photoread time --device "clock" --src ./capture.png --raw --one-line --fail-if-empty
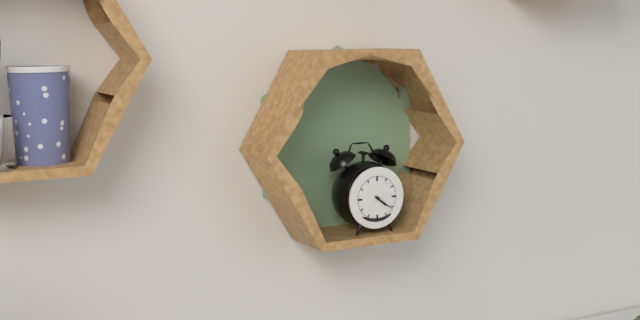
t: 4:21
